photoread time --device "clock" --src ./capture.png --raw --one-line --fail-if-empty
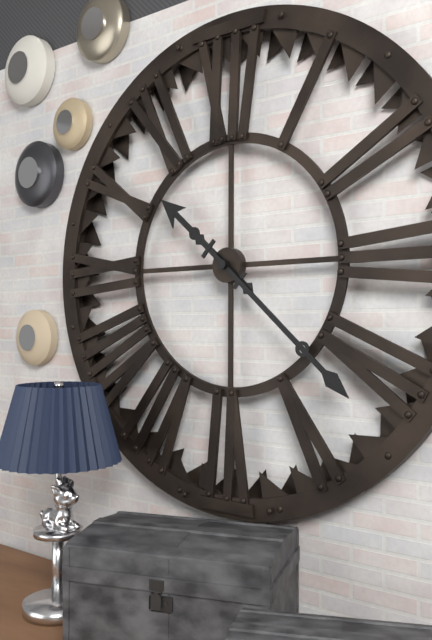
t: 10:22
